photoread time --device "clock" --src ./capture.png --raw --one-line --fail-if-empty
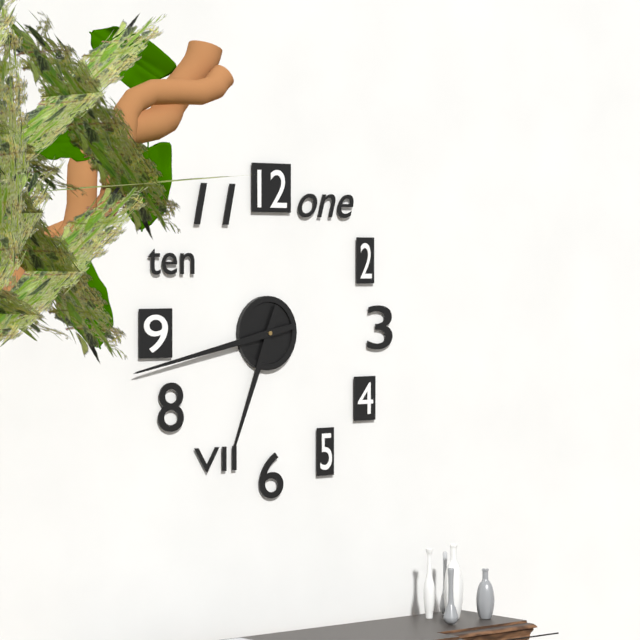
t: 6:43
